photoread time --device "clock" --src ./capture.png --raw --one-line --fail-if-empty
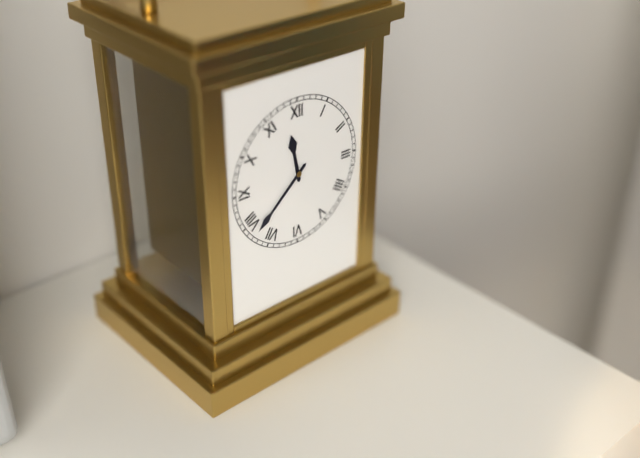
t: 11:38
